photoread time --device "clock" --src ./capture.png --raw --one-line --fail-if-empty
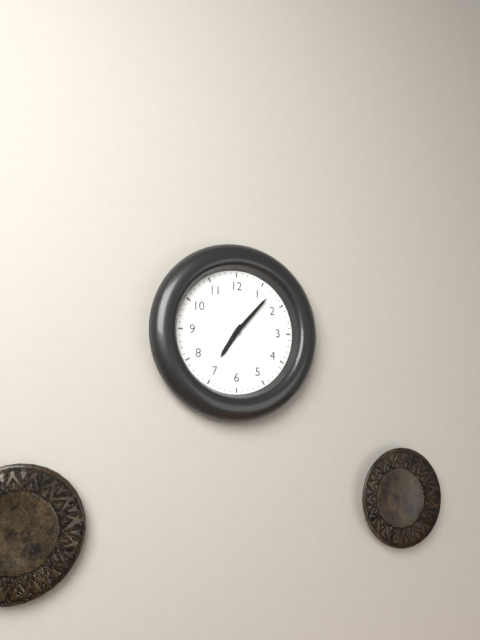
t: 7:07
